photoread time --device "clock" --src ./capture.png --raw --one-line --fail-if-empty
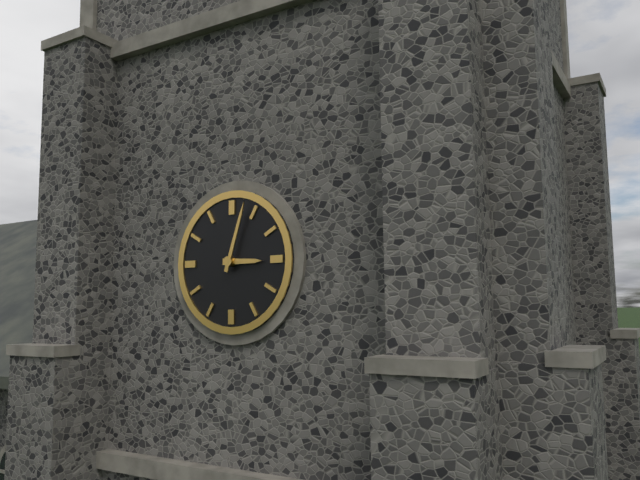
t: 3:03
